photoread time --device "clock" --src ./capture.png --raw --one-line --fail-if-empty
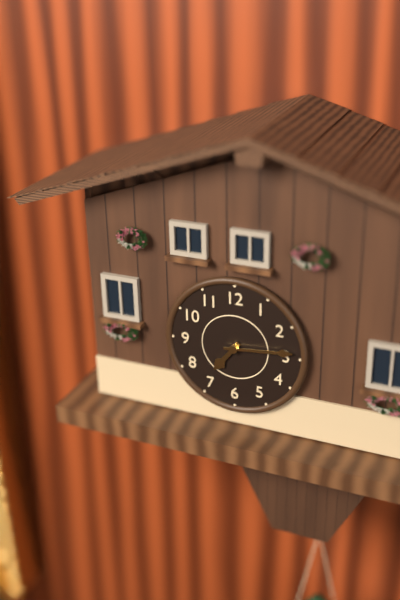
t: 7:14
